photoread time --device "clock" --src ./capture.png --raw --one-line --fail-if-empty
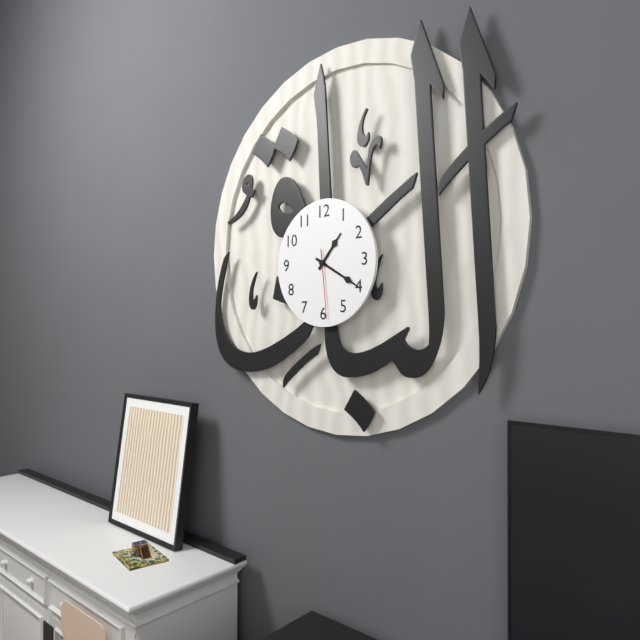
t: 1:20:29
